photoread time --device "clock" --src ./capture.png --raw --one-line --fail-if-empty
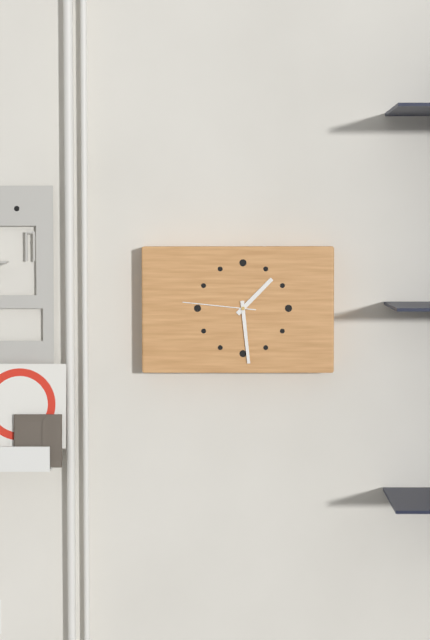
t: 1:29:46
